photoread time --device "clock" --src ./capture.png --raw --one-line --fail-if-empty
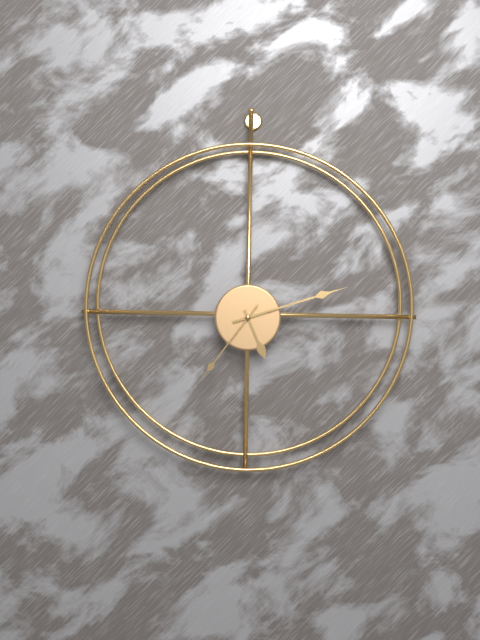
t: 5:12:36
